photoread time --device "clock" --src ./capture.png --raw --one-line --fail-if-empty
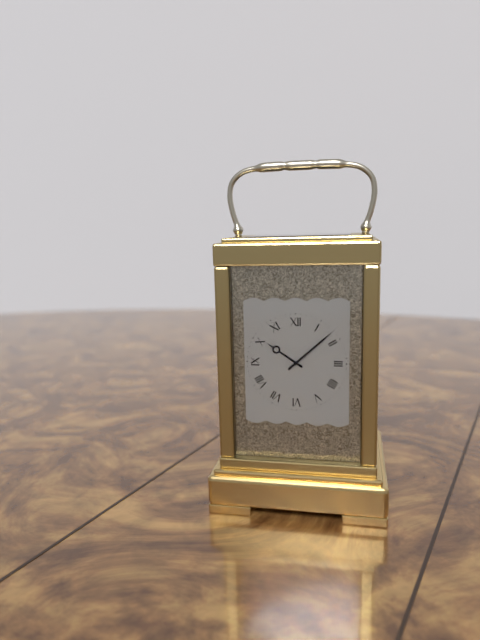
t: 10:08
